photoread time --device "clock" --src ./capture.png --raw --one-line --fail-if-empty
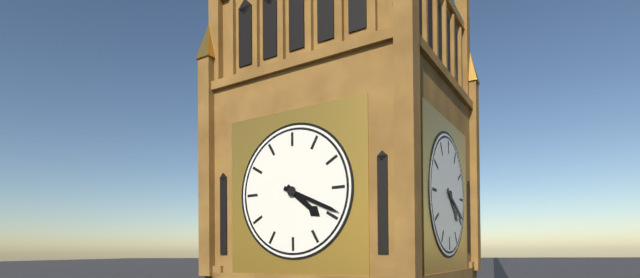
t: 4:19
